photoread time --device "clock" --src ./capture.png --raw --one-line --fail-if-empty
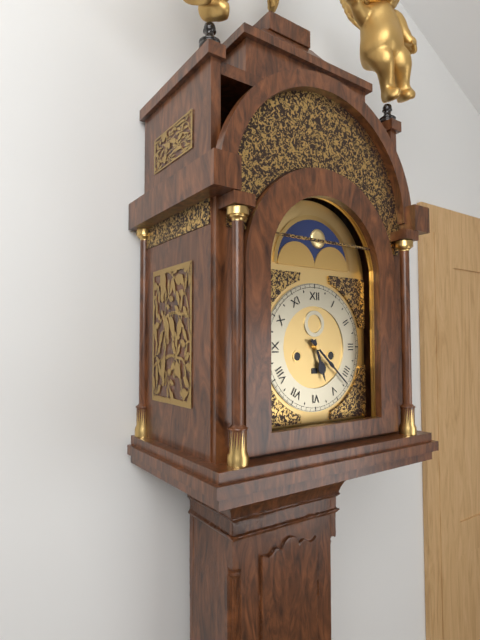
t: 5:22
